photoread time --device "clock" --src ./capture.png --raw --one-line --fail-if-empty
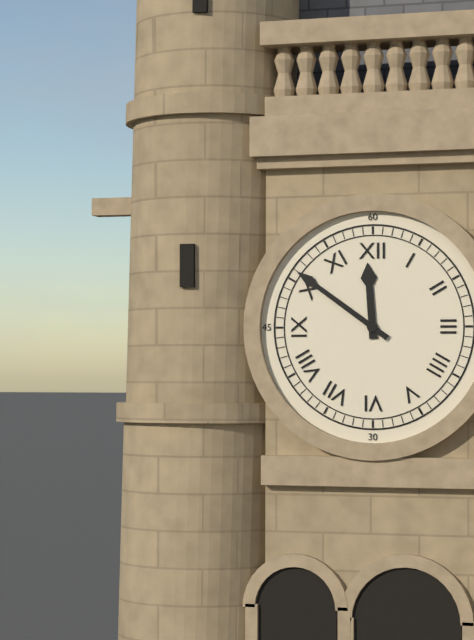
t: 11:51
